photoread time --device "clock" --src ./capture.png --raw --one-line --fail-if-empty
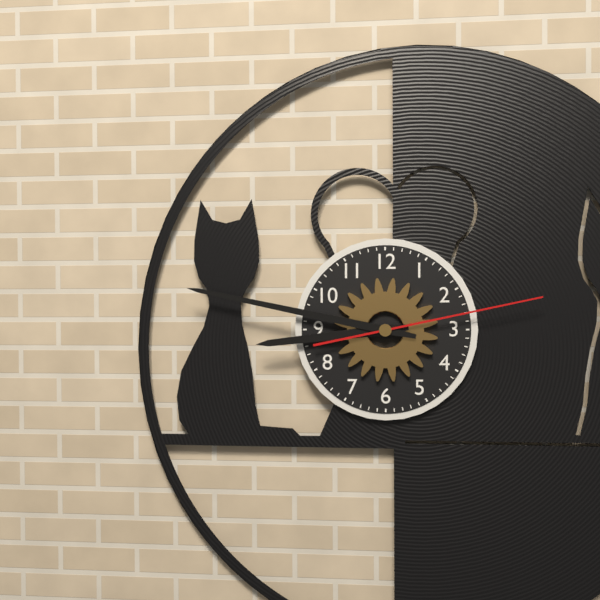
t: 8:47:13
